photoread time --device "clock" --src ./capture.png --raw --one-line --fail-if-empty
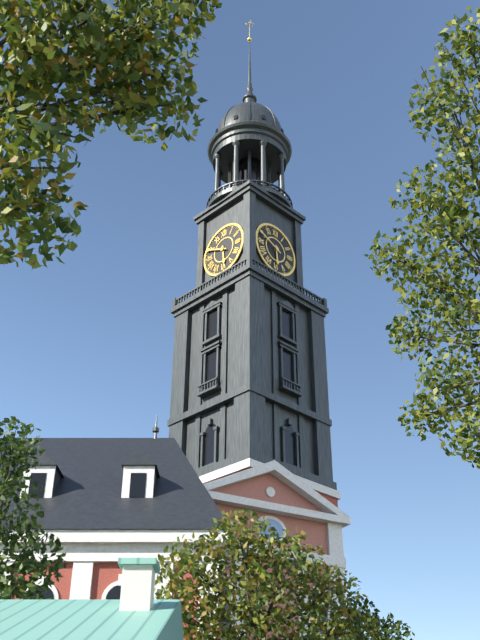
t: 5:49
